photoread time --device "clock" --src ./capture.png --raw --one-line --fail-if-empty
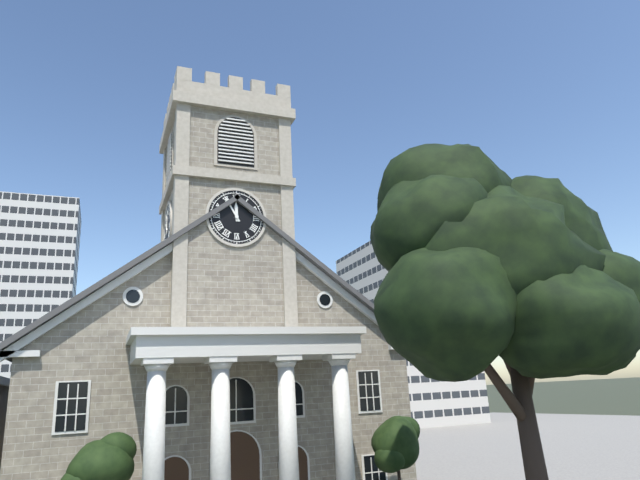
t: 11:55
